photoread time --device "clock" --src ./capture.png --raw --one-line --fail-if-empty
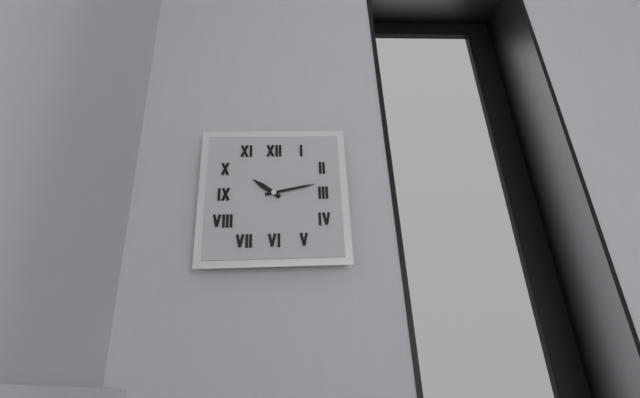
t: 10:13
